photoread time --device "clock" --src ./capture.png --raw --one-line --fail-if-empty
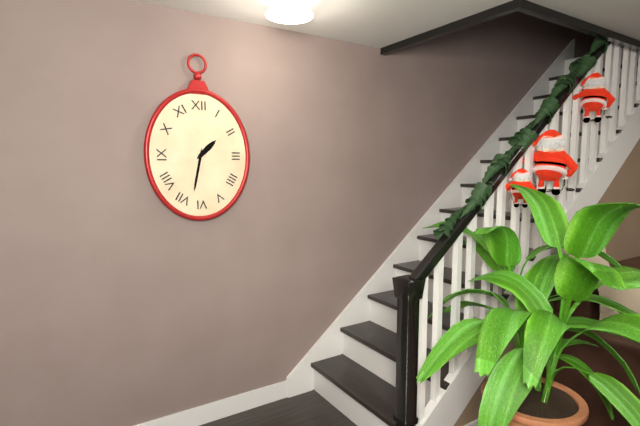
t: 1:32
